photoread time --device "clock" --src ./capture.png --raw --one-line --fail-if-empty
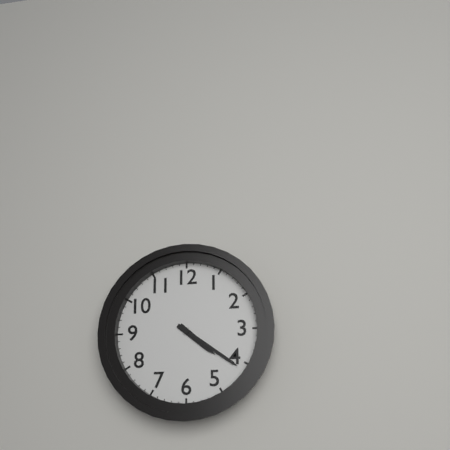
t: 4:21
